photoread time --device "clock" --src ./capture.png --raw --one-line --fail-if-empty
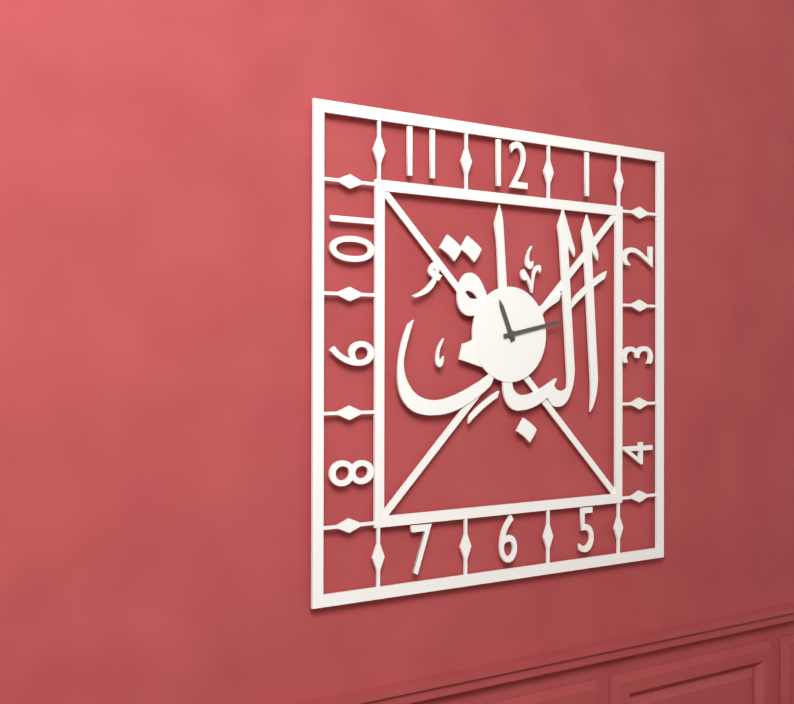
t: 11:13
